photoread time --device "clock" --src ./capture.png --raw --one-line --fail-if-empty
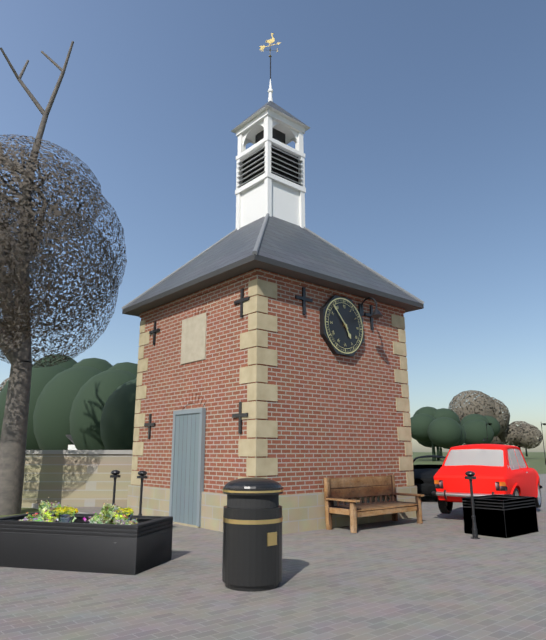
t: 4:53
